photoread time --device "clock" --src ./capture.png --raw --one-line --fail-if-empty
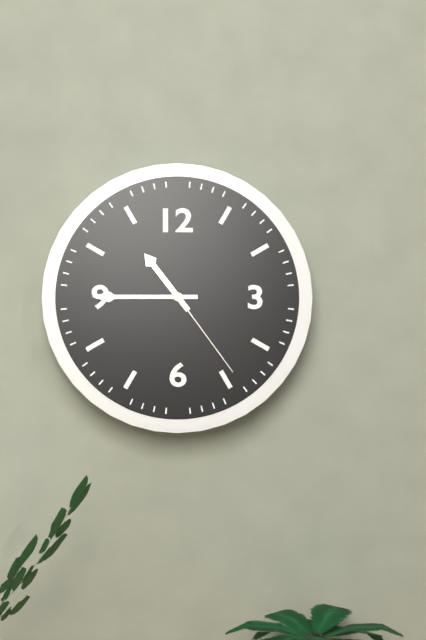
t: 10:45:24
